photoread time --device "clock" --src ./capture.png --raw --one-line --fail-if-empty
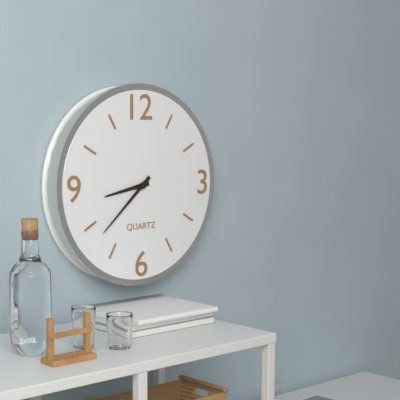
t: 8:38
